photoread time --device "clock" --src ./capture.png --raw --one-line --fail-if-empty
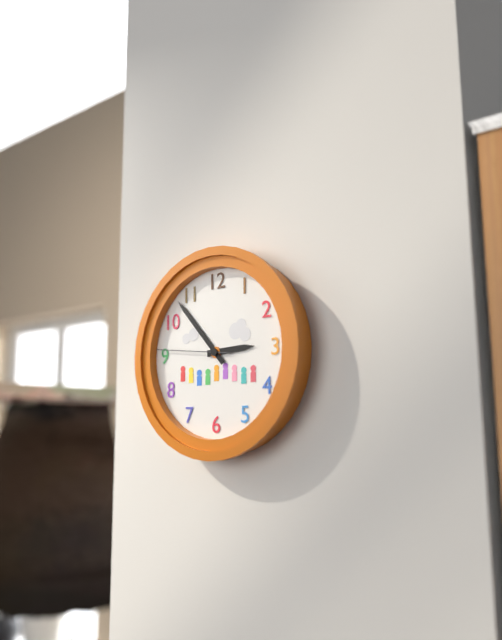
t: 2:53:46
